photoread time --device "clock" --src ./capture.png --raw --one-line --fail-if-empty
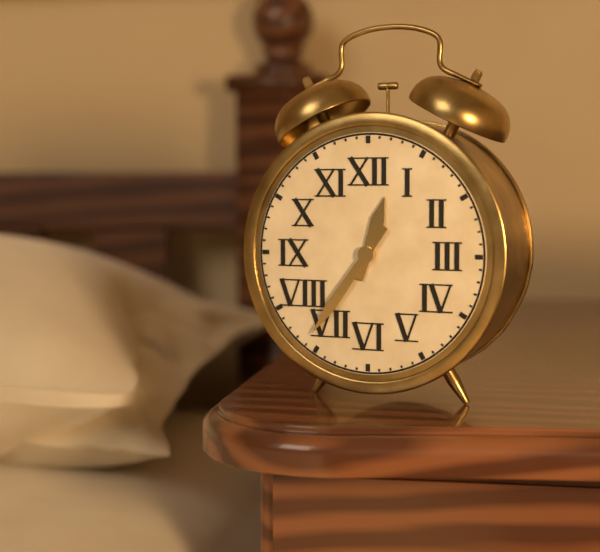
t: 12:36
